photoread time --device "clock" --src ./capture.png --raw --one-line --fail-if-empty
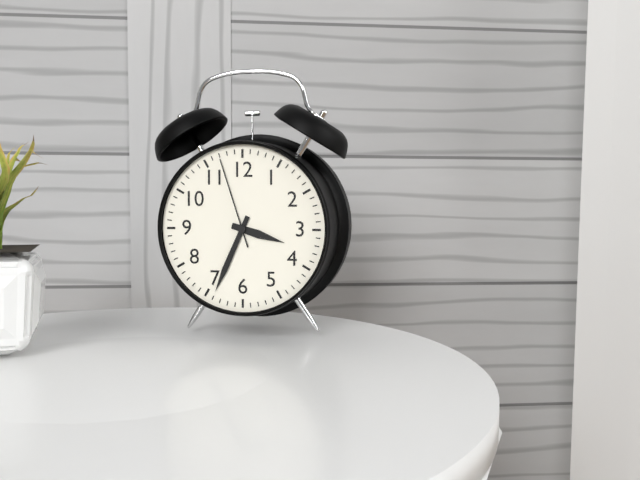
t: 3:34:57
